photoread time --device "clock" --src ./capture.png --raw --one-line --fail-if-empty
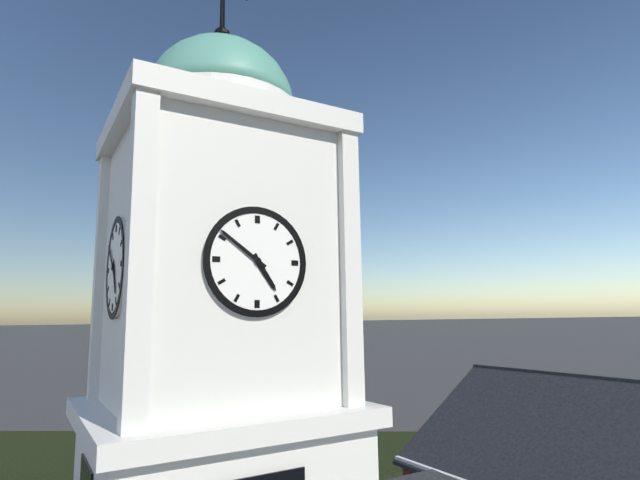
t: 4:51
